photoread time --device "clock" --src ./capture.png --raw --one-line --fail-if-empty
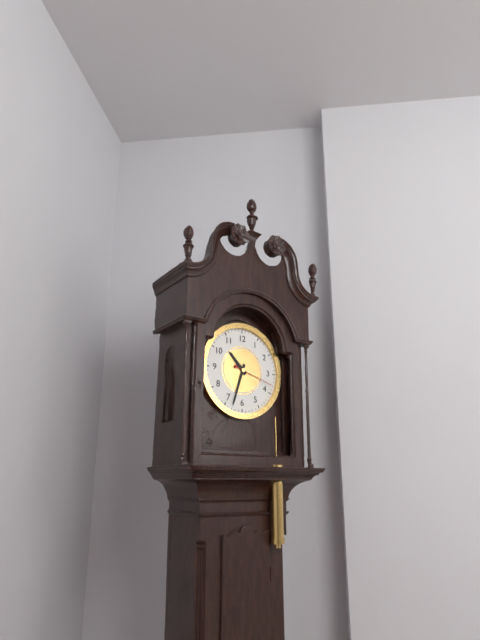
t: 10:33
